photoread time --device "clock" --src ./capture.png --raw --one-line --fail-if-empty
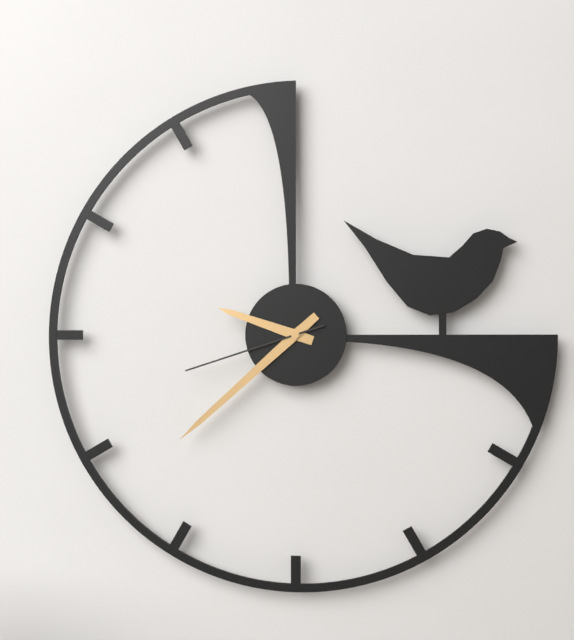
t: 9:38:42
